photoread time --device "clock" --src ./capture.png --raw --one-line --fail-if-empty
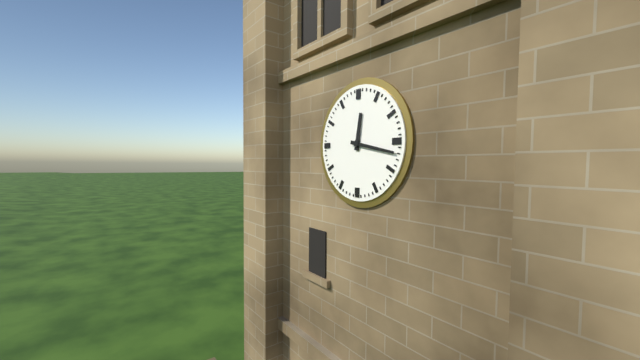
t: 12:17
